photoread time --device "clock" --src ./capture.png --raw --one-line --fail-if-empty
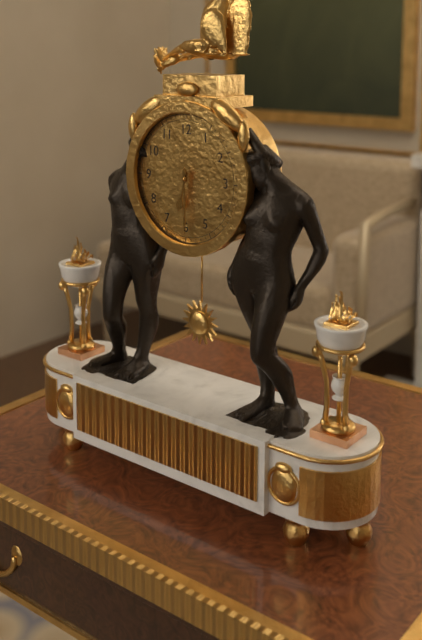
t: 6:30
